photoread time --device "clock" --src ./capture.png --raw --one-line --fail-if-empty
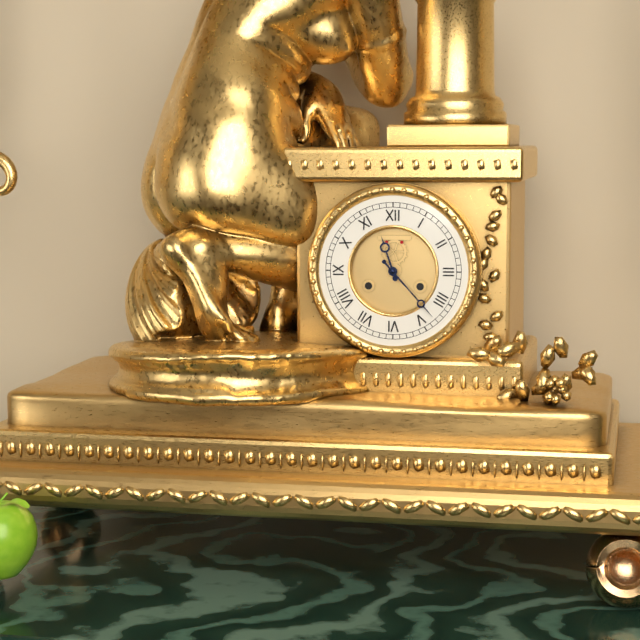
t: 11:23
